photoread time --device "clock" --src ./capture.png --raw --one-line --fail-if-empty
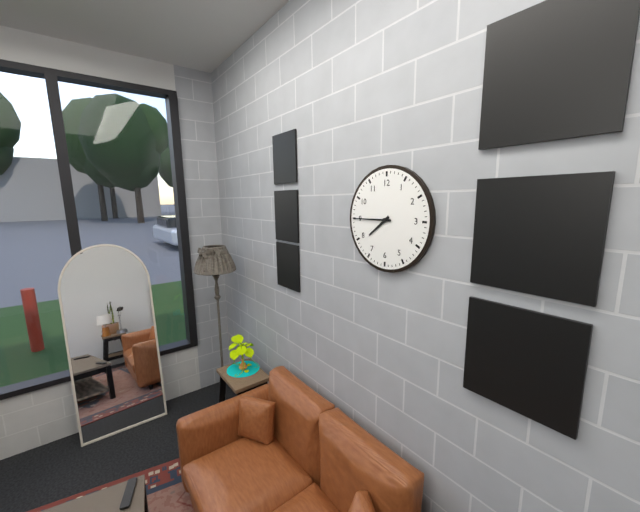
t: 7:45
